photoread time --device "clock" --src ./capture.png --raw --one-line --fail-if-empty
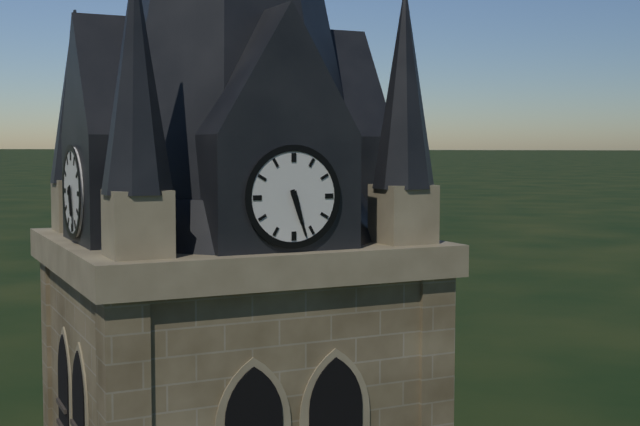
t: 5:27
